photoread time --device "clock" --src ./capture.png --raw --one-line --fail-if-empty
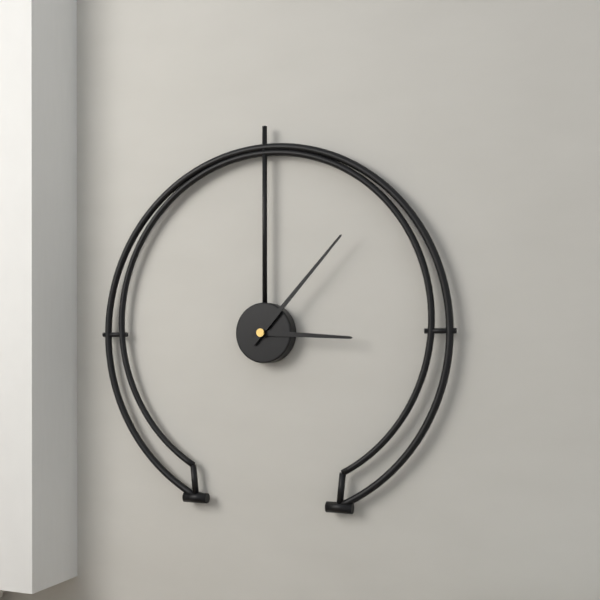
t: 3:07
